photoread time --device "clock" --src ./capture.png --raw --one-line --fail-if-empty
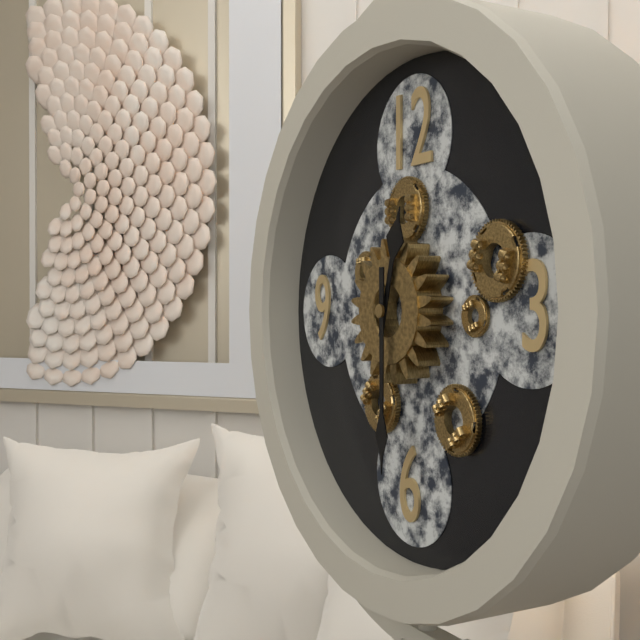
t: 12:30
